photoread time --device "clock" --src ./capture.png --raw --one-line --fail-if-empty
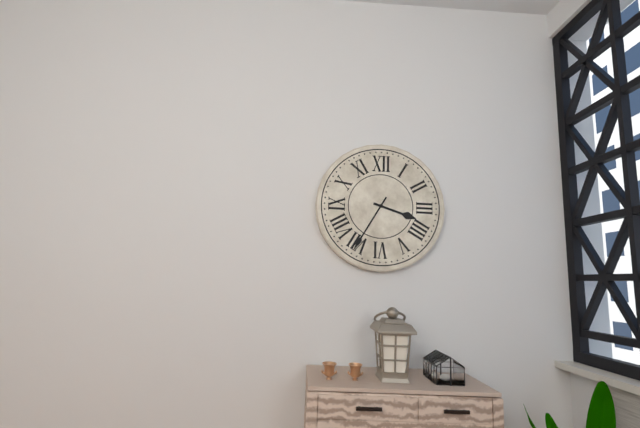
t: 3:35
